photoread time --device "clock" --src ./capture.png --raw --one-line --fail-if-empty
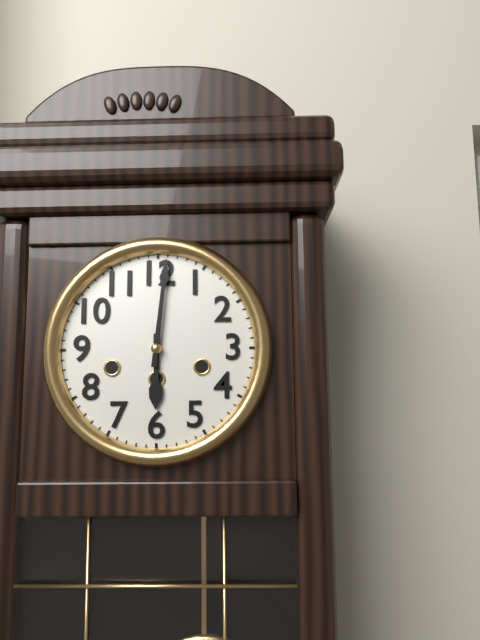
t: 6:01
